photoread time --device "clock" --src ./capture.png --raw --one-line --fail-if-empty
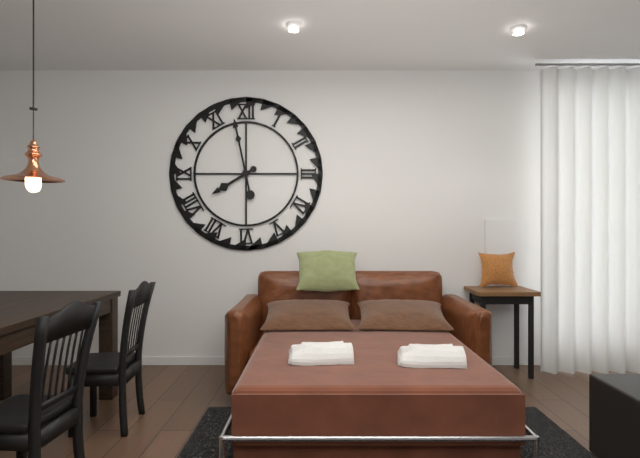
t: 7:58
